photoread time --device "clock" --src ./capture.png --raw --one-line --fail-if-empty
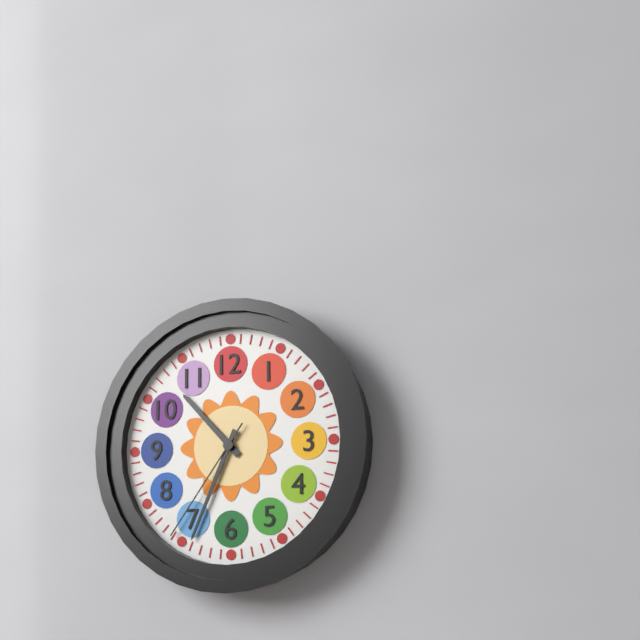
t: 10:34:36
